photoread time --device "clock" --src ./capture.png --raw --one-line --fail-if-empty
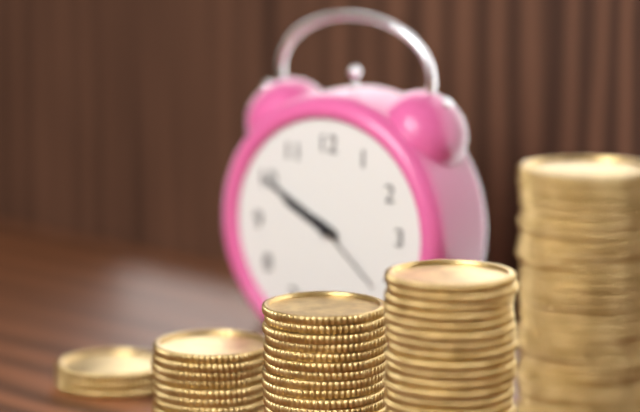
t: 9:50:22
